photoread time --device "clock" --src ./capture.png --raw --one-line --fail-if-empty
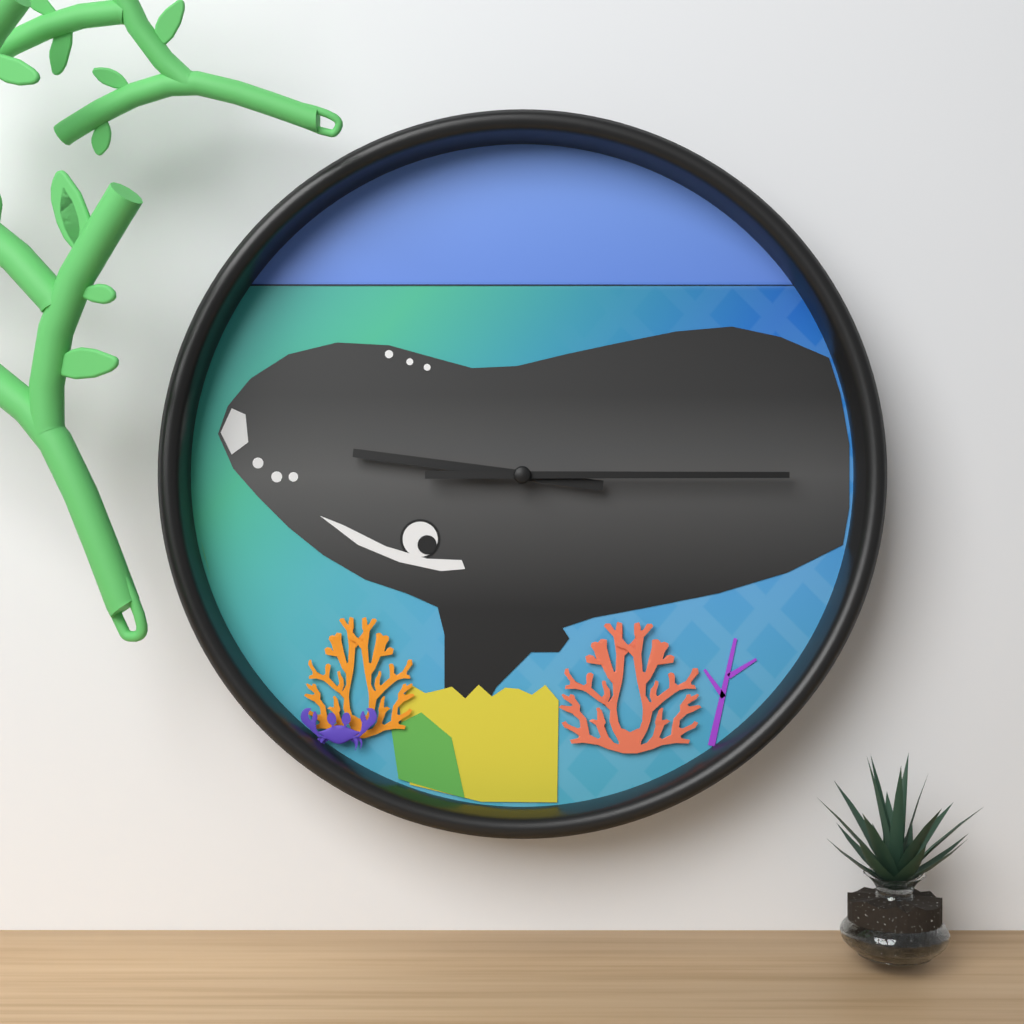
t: 9:15
